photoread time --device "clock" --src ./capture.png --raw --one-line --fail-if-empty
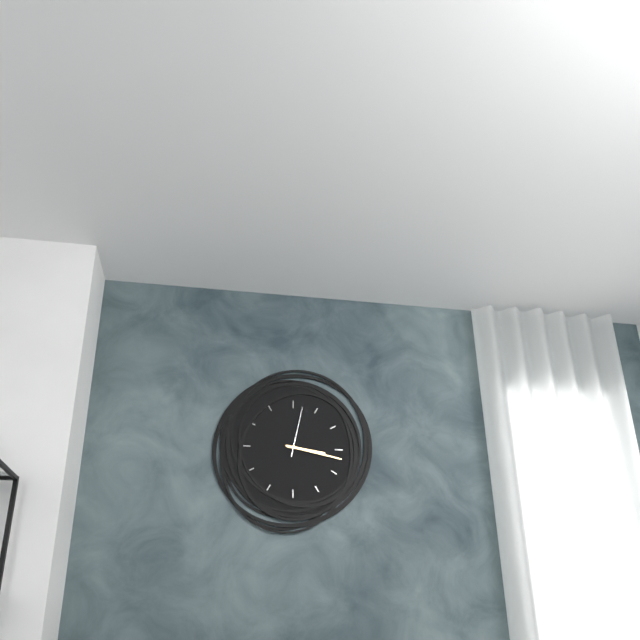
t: 3:17:02
